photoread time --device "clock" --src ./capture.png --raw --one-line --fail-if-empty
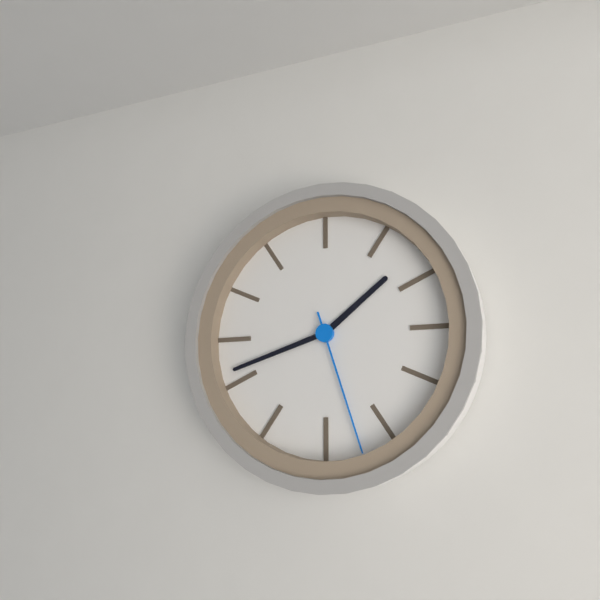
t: 1:42:27
